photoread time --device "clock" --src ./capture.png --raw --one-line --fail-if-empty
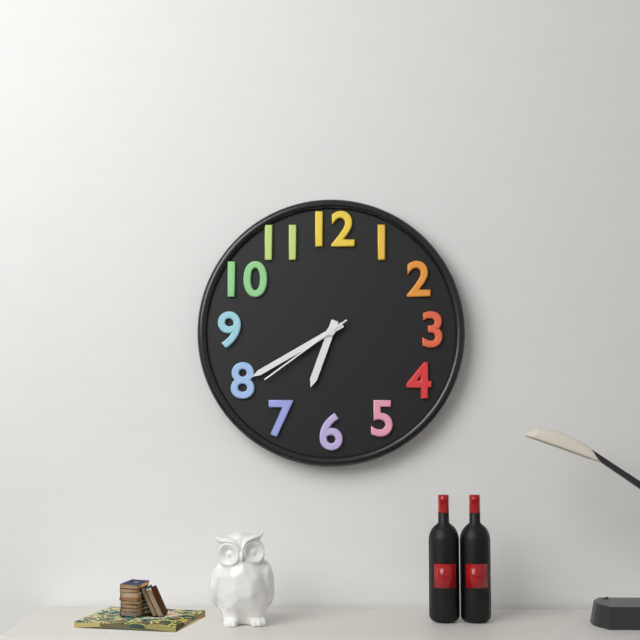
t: 6:40:39
